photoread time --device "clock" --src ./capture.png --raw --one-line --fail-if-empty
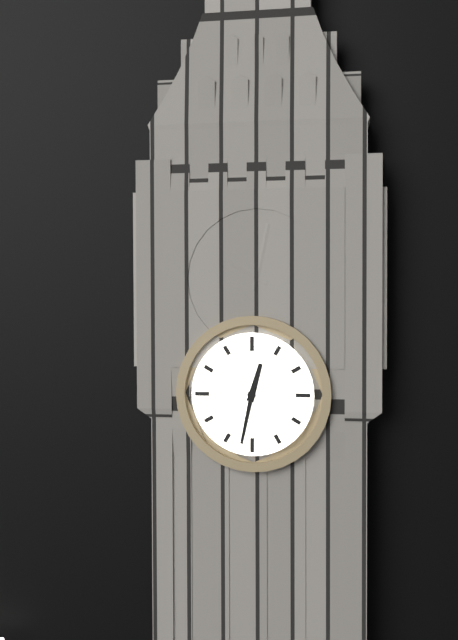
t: 12:32
